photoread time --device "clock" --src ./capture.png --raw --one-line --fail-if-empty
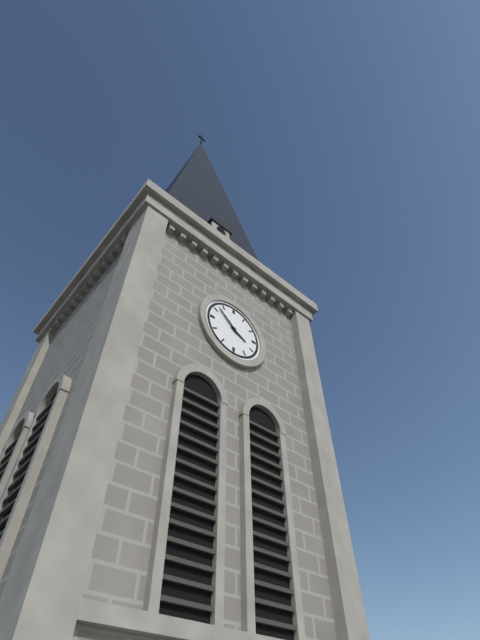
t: 3:52
